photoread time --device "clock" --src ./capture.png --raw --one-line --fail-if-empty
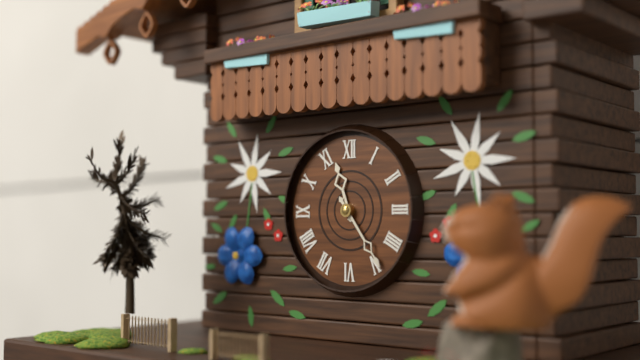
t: 11:24
